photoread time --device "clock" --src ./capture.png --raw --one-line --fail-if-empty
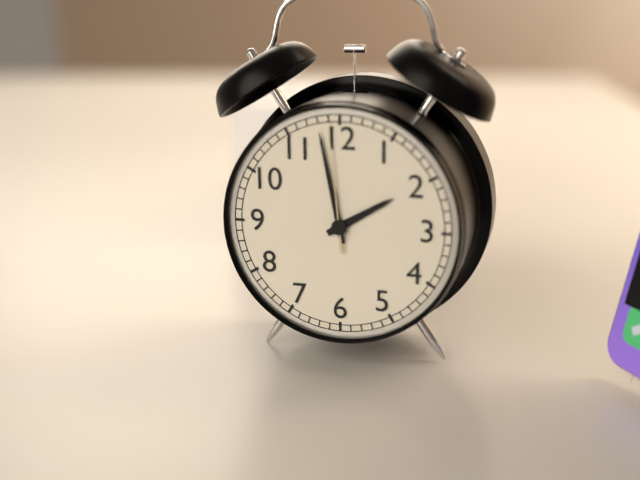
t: 1:58:59
